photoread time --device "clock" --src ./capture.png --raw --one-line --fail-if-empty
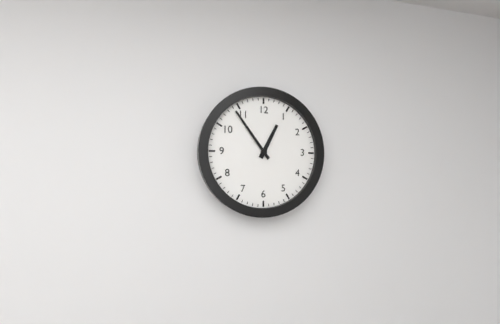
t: 12:54
